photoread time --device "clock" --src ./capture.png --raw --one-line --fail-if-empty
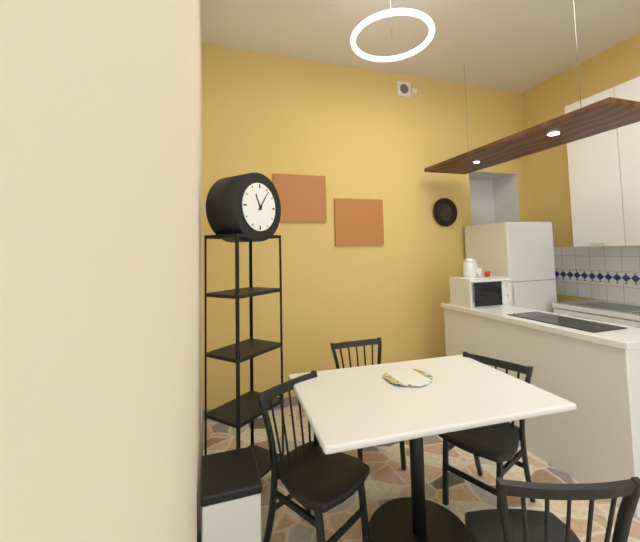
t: 11:06
